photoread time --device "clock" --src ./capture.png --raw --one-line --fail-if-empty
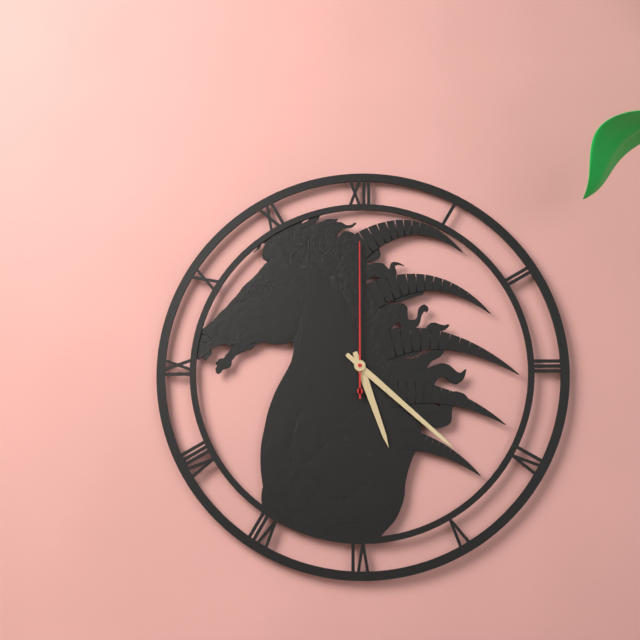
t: 5:22:00
